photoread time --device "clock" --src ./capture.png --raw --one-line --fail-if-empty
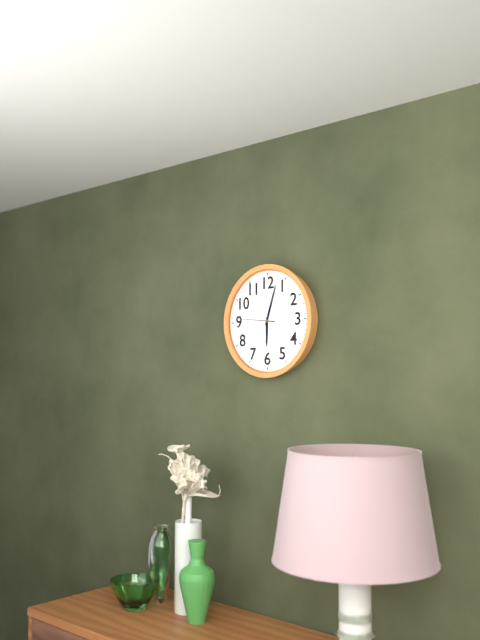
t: 6:03
